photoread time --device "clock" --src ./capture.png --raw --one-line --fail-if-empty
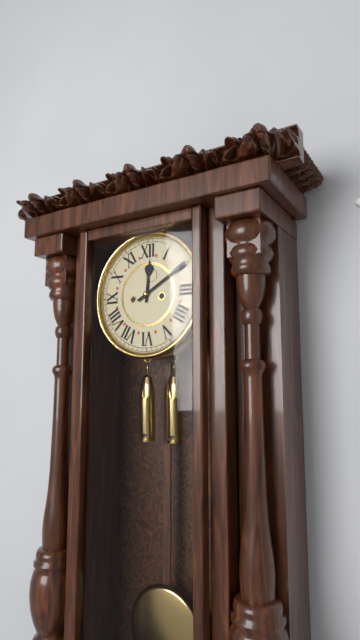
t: 12:10
